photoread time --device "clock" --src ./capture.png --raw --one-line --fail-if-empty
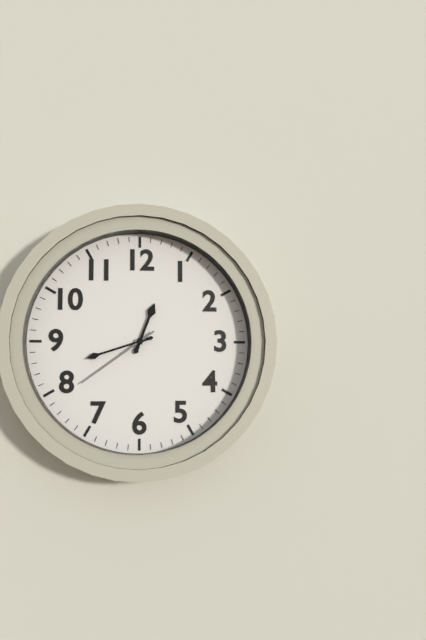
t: 12:42:39
